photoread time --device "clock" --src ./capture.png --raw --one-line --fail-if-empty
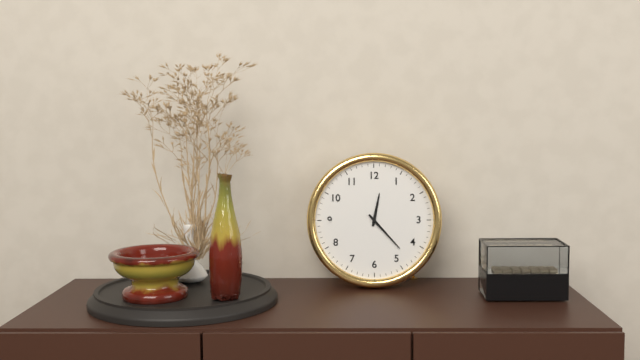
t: 12:23
